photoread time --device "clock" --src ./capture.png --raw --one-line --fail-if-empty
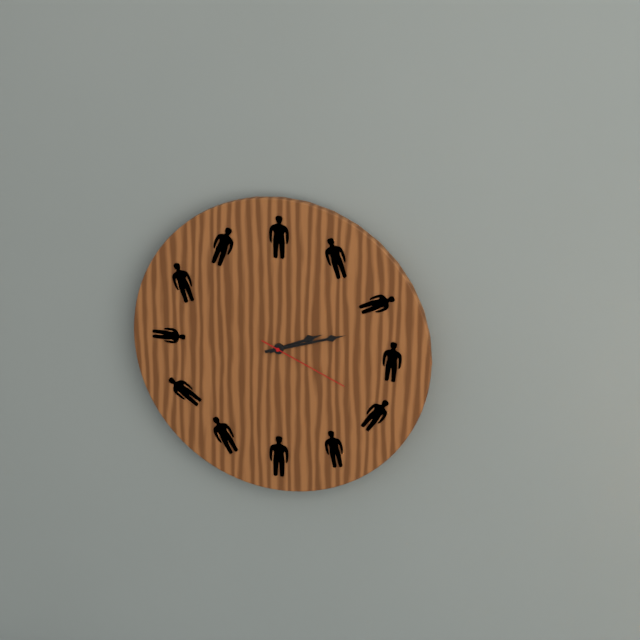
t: 2:12:19
